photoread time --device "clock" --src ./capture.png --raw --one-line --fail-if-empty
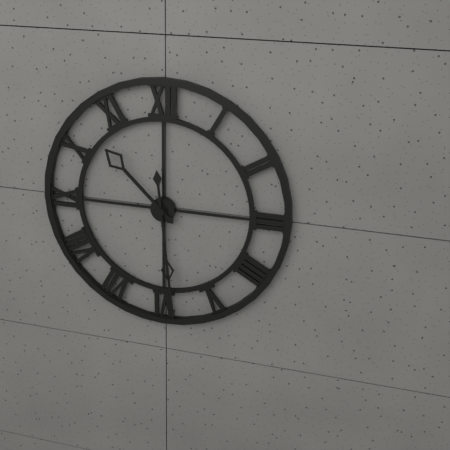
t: 10:29
